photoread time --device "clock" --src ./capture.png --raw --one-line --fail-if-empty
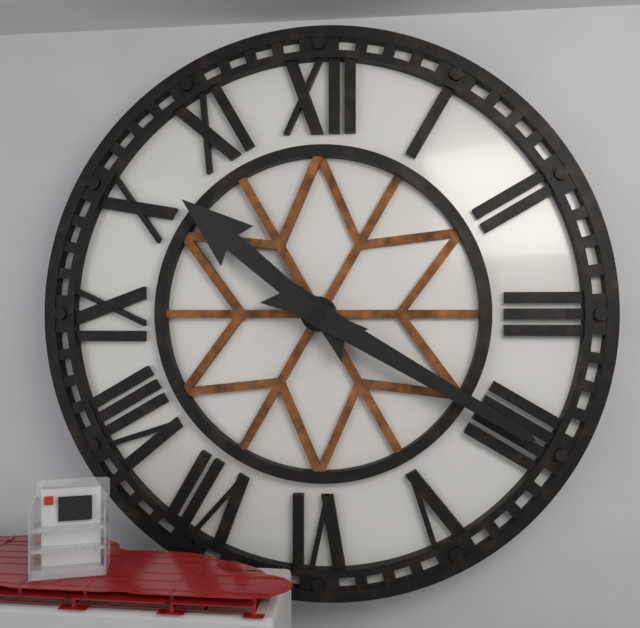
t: 10:20
